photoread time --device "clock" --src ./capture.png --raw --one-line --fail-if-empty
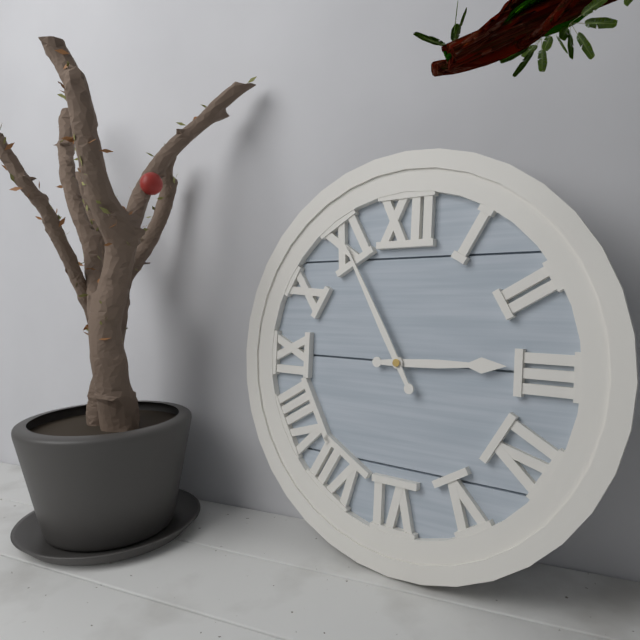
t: 2:55
